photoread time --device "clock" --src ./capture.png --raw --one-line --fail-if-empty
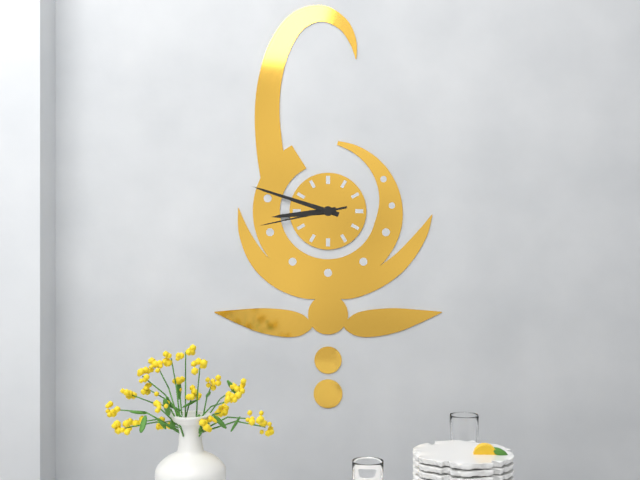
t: 8:48:43
